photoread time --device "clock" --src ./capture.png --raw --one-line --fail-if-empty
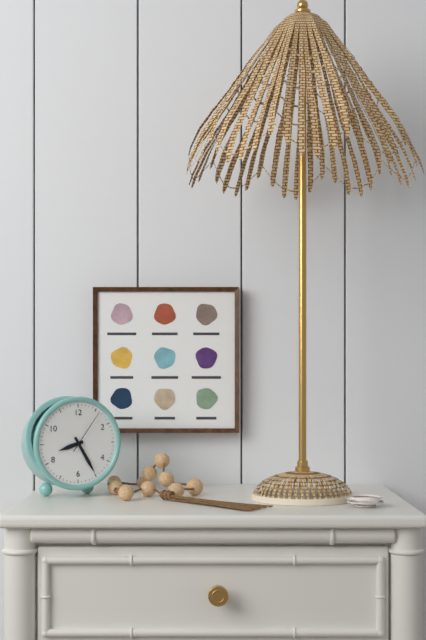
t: 8:25
